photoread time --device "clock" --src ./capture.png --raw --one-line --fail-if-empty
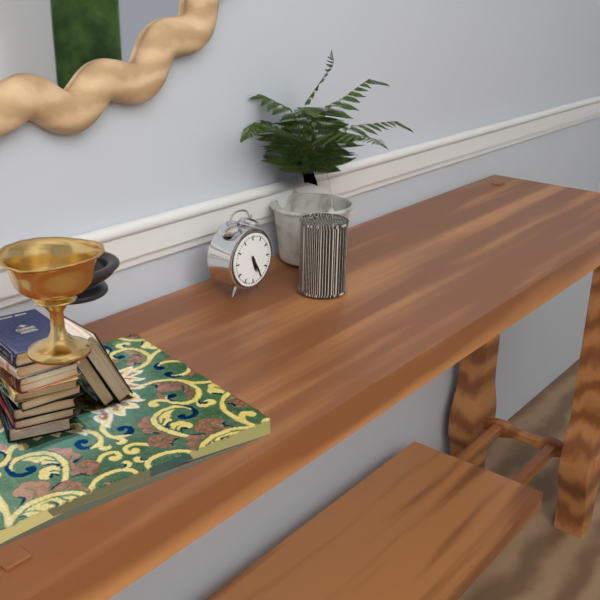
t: 5:25
